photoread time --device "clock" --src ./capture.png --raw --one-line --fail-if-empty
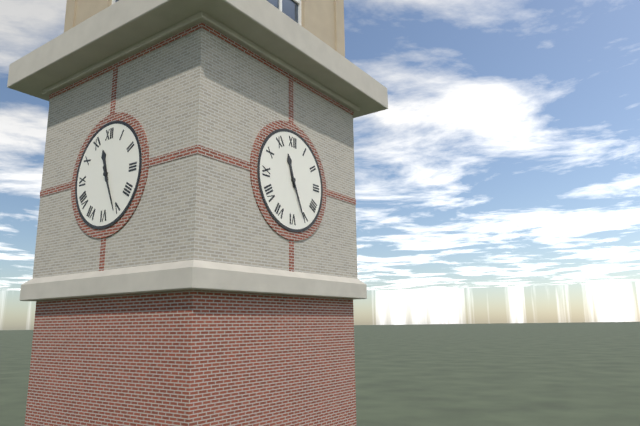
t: 11:26
